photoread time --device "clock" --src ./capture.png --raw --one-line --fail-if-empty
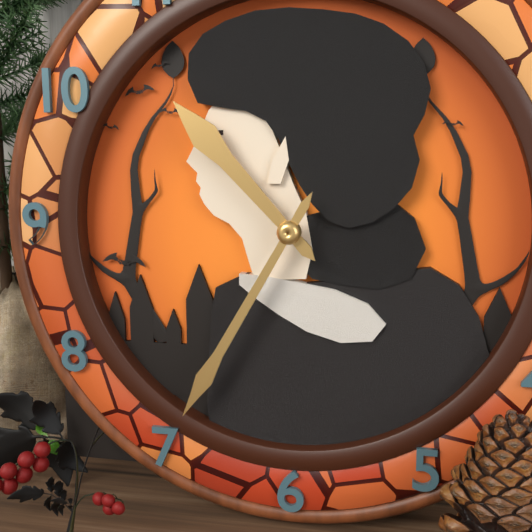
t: 10:35
